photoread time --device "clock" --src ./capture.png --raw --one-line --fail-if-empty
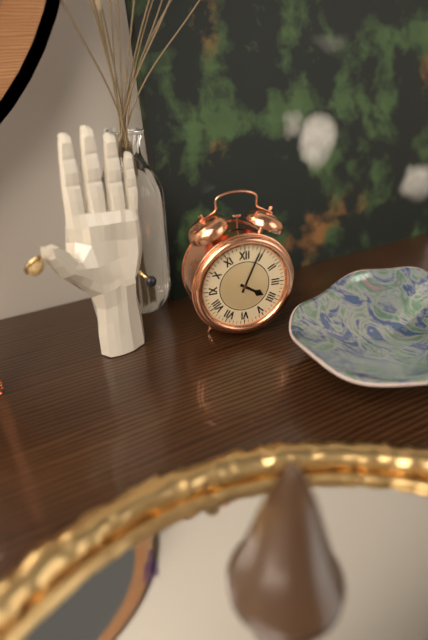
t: 4:04
